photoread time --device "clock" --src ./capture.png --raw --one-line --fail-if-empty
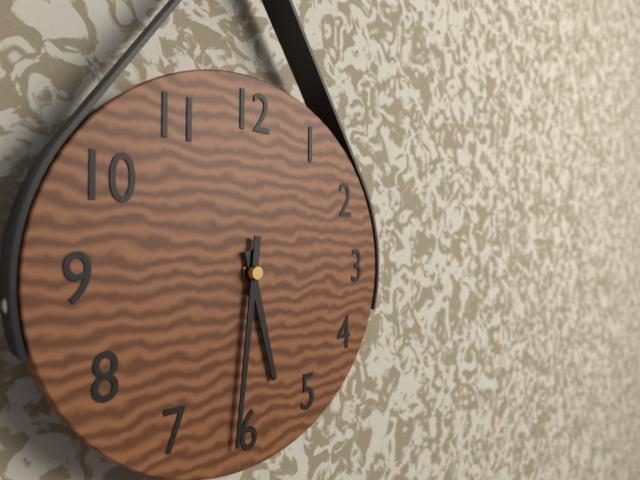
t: 5:31
